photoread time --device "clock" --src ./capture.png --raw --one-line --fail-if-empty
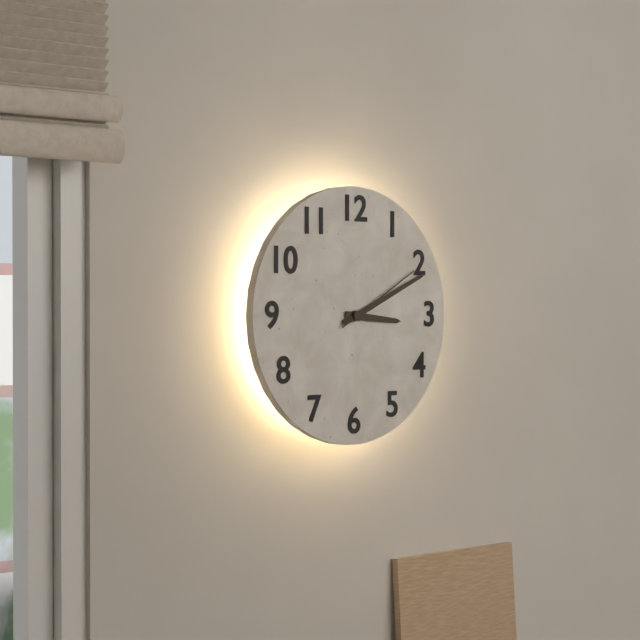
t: 3:11:10
